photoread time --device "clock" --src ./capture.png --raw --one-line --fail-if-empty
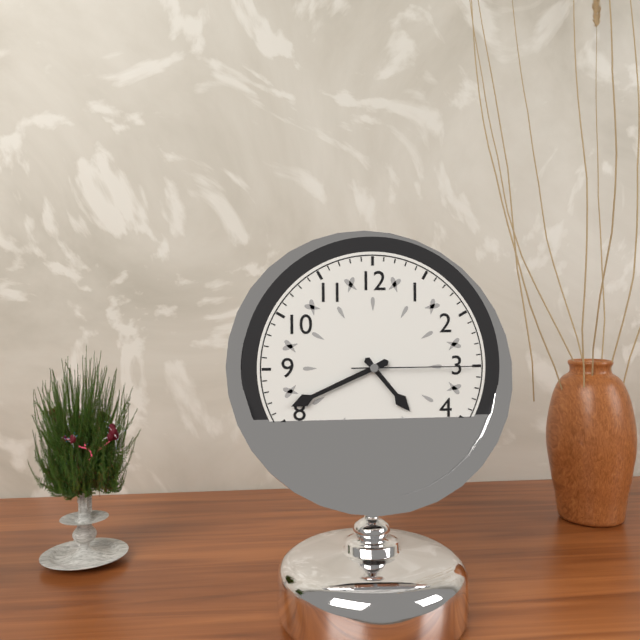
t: 4:41:15
